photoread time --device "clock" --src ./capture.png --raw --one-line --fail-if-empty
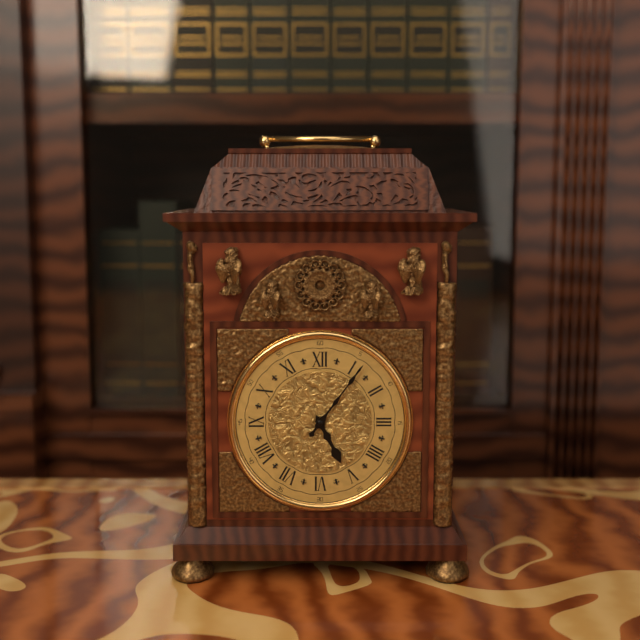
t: 5:06
